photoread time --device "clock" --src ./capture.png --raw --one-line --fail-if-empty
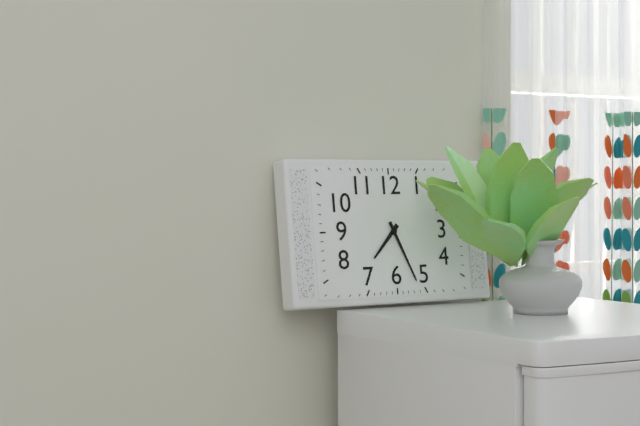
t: 7:26
